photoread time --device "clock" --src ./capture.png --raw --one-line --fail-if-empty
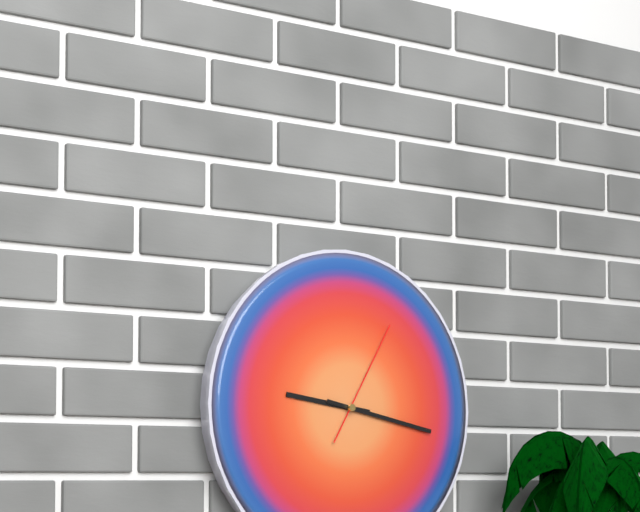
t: 9:17:05
